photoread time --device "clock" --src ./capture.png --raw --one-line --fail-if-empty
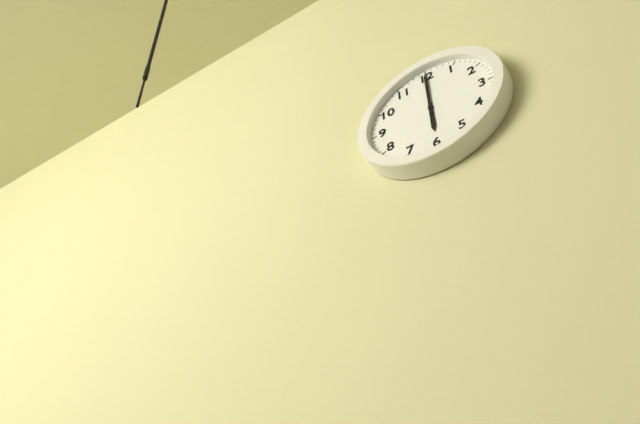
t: 6:00
